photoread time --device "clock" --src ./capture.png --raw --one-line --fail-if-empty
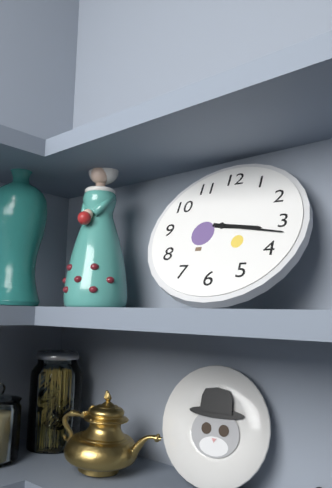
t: 3:17
